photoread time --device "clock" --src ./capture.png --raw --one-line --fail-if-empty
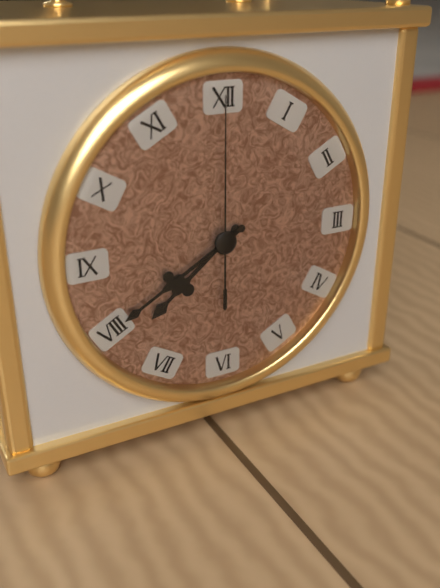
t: 7:40:00
